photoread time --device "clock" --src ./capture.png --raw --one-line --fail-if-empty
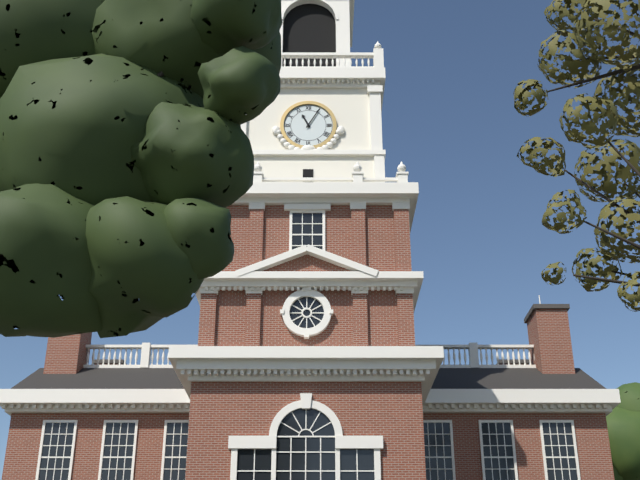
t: 11:05
